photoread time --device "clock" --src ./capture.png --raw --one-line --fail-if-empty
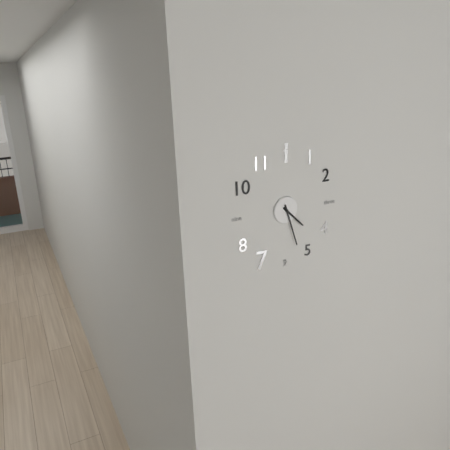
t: 4:27
